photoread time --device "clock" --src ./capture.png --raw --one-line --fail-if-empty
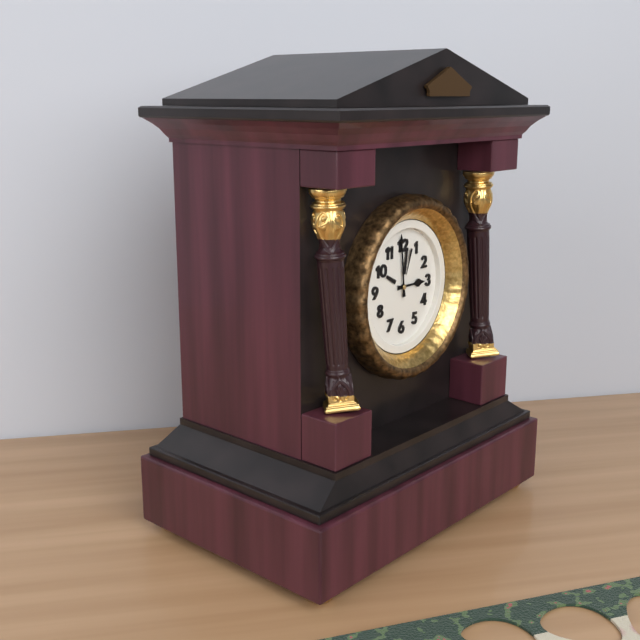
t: 2:59
